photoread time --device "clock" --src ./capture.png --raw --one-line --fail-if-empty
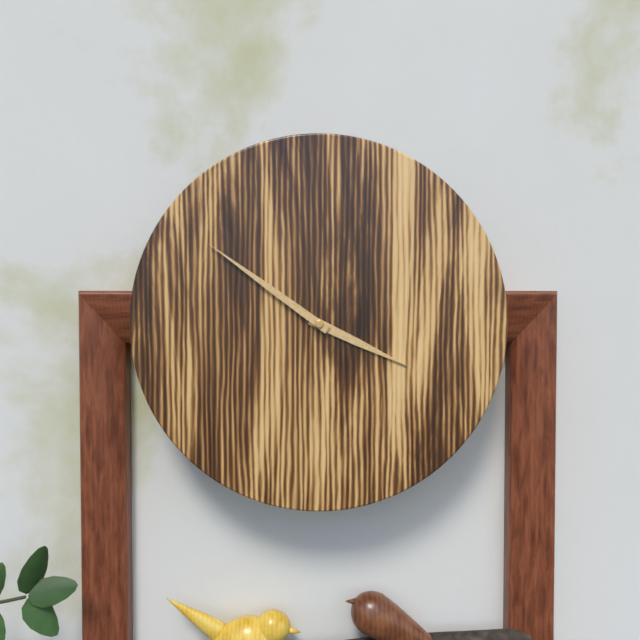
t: 3:51
